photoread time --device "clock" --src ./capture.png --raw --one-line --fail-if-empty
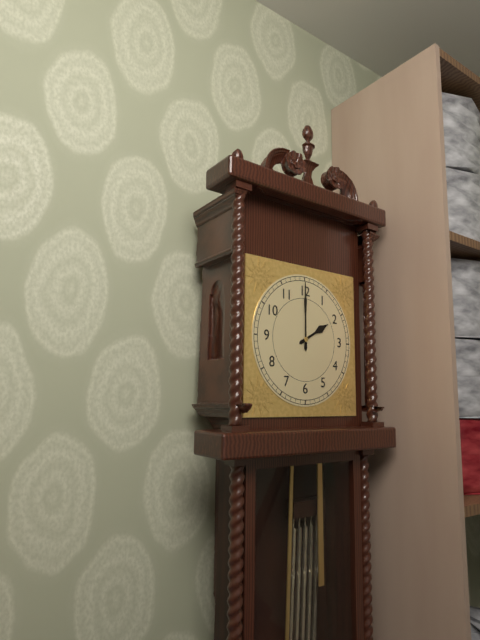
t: 2:00
